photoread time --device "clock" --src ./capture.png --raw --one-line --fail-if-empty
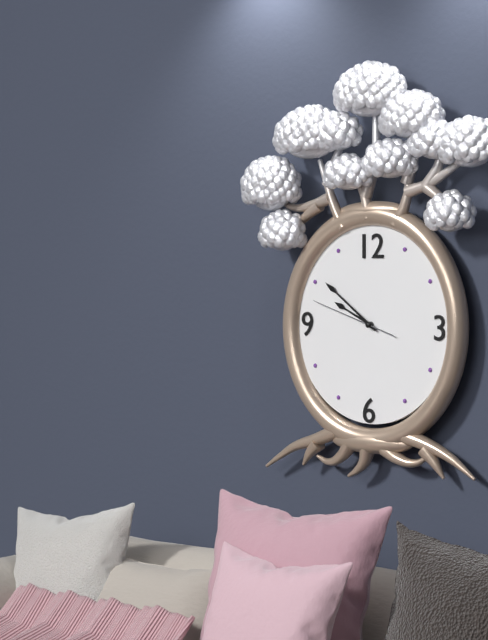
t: 9:51:48
